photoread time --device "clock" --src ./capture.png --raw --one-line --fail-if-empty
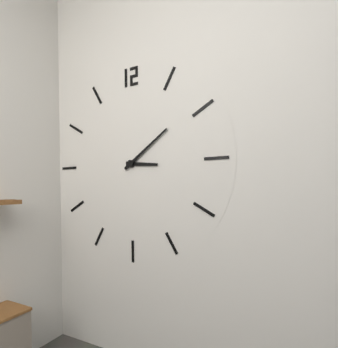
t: 3:09
